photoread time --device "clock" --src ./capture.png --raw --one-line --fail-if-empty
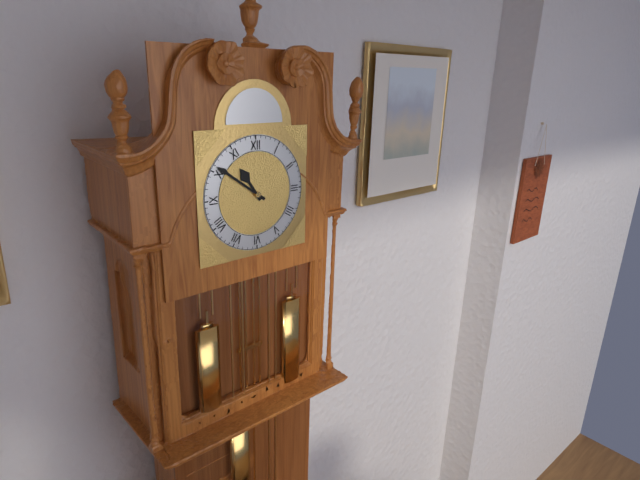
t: 10:51
